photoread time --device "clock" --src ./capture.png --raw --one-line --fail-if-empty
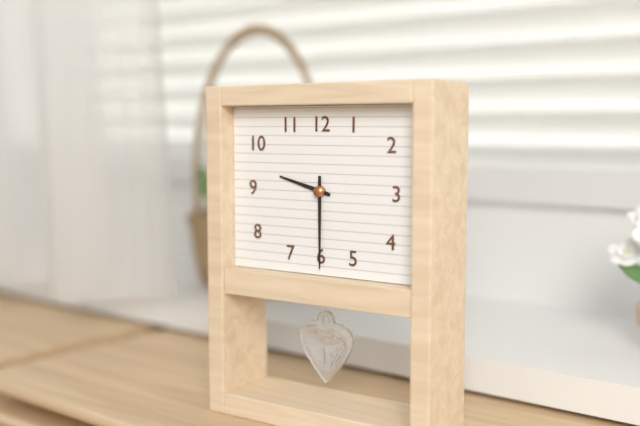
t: 9:30
